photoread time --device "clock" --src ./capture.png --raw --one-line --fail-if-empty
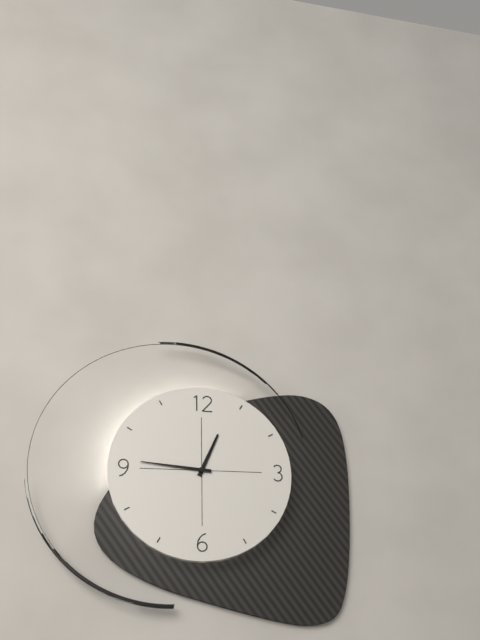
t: 12:46
